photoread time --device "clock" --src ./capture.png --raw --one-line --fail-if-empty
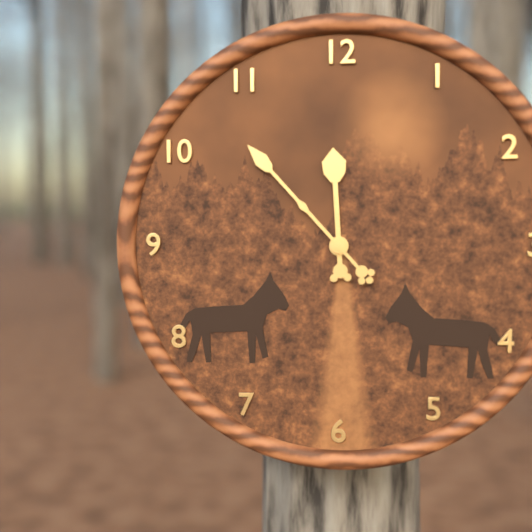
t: 11:53
